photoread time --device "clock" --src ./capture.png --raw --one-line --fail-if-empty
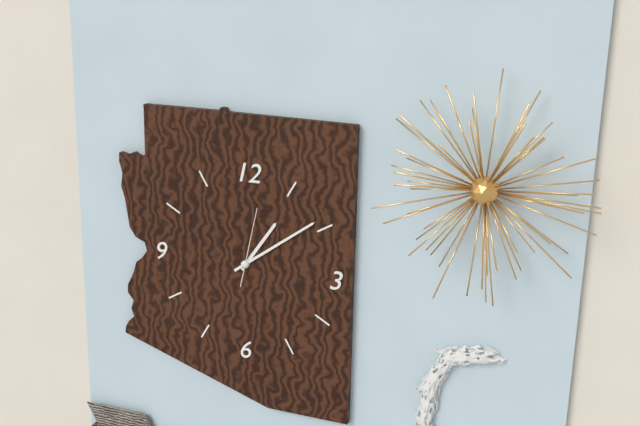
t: 1:09:02
